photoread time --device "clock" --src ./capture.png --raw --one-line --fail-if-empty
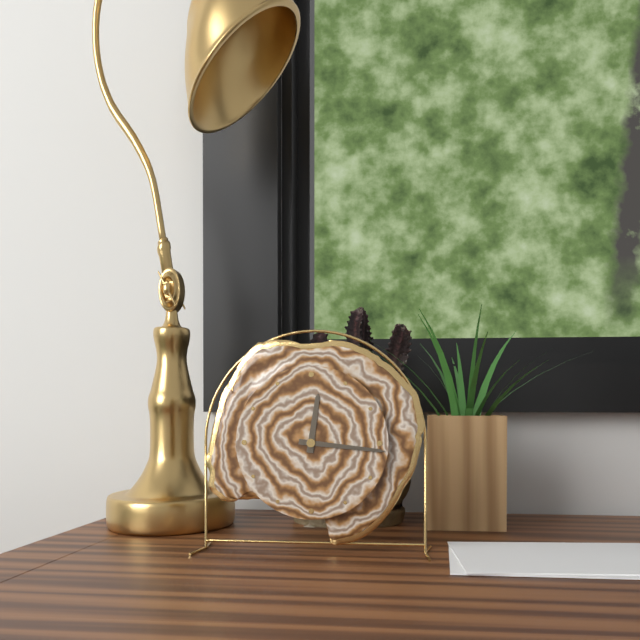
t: 12:16
